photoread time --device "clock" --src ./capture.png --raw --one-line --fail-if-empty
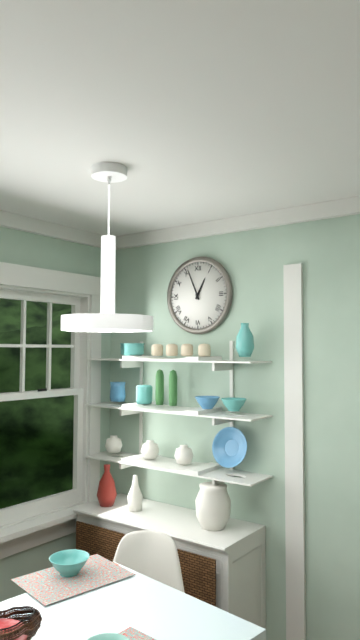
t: 12:56
